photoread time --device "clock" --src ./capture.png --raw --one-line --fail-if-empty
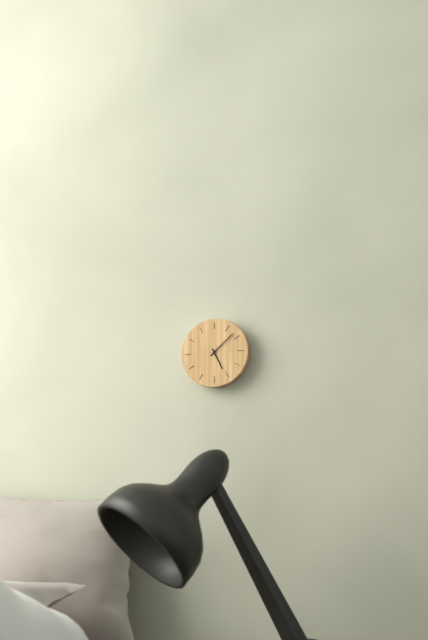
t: 5:08
